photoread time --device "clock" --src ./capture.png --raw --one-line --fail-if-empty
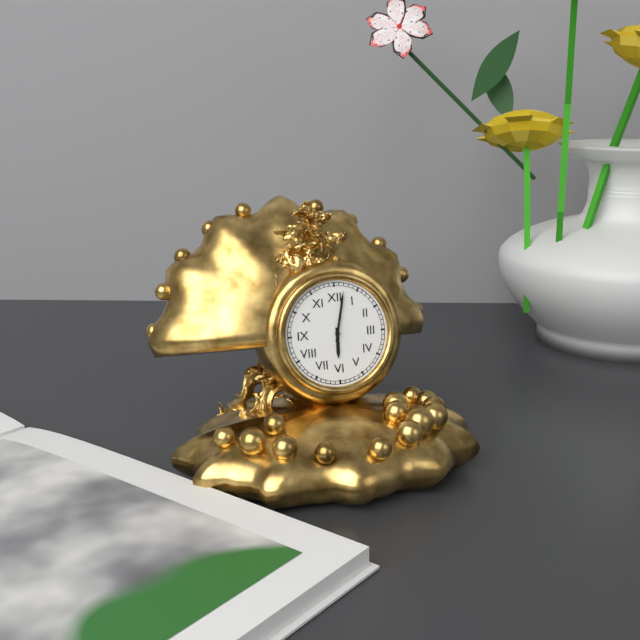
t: 6:02
